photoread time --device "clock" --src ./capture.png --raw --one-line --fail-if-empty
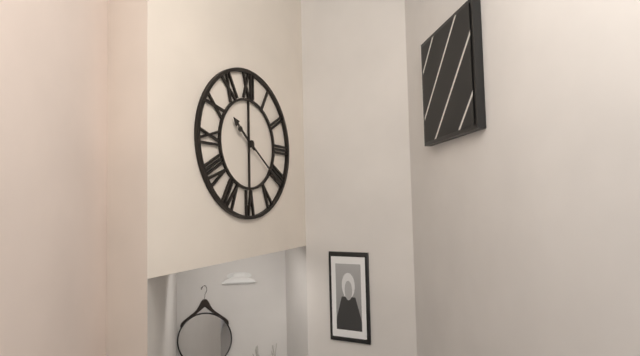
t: 10:21
